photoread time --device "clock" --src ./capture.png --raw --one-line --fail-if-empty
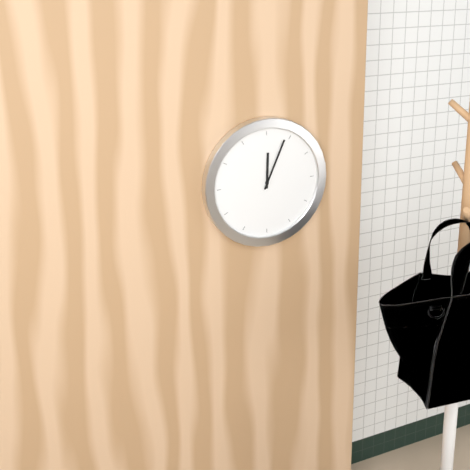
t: 12:04
